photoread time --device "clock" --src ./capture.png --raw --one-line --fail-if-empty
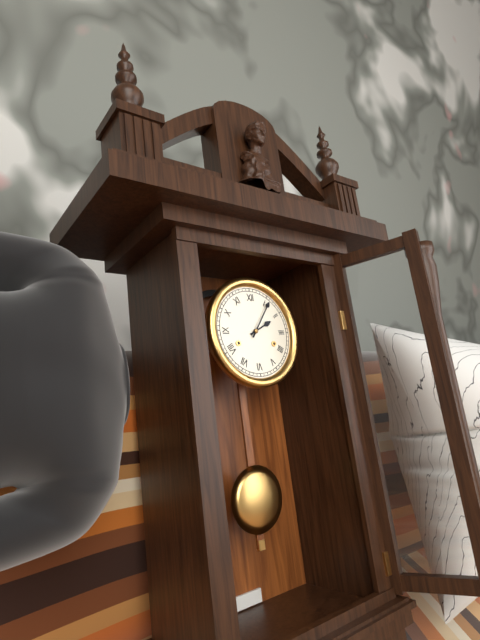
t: 2:06
